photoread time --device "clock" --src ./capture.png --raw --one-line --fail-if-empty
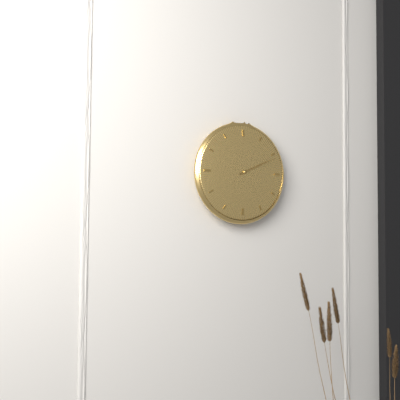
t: 2:11
